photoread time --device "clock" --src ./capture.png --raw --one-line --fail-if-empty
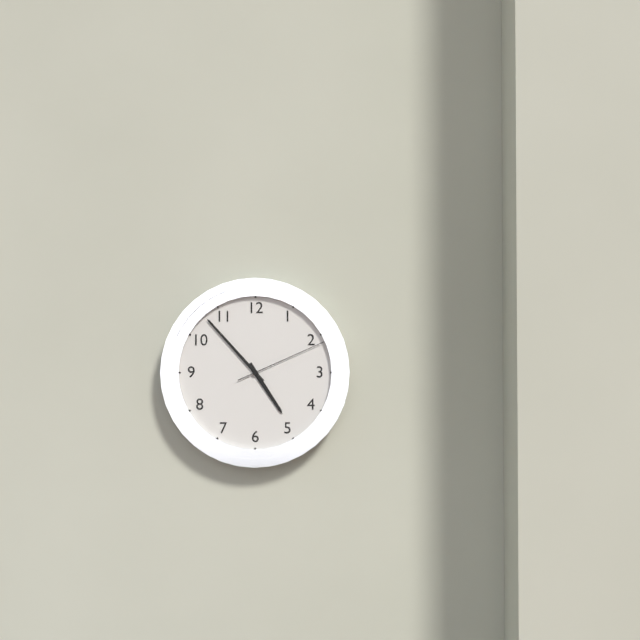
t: 4:53:11
